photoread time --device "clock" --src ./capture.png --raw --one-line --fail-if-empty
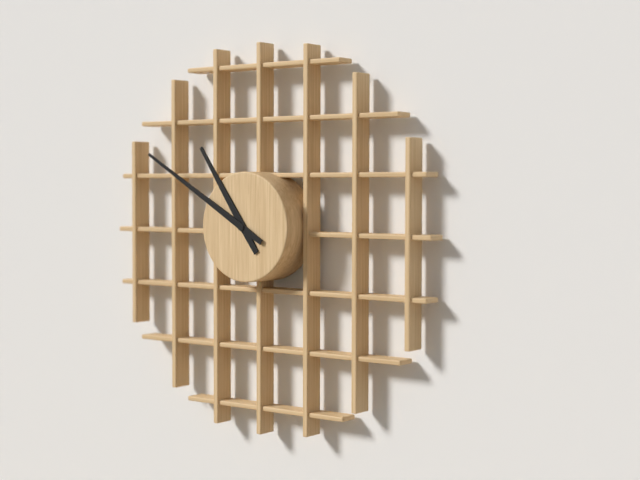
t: 10:50
